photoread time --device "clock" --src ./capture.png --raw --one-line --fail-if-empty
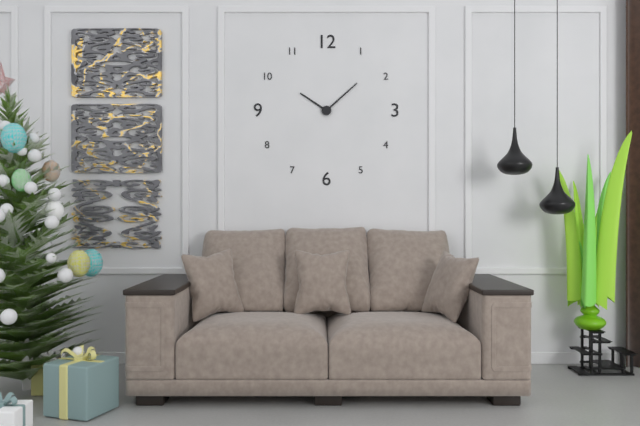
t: 10:08
